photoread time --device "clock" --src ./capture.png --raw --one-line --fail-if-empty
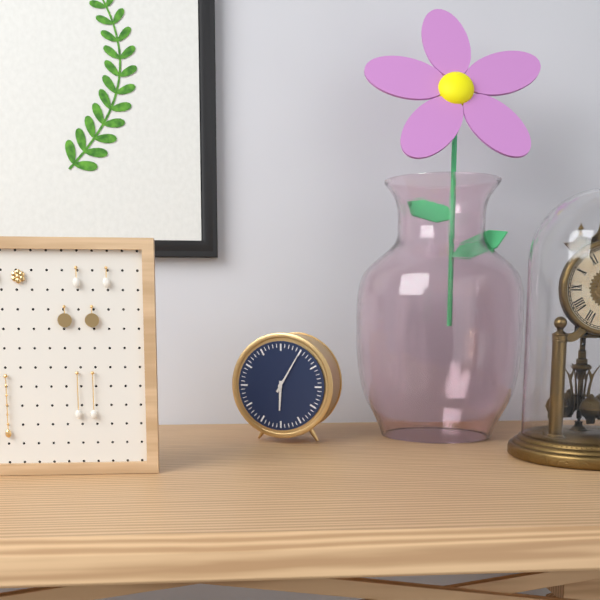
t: 6:05
